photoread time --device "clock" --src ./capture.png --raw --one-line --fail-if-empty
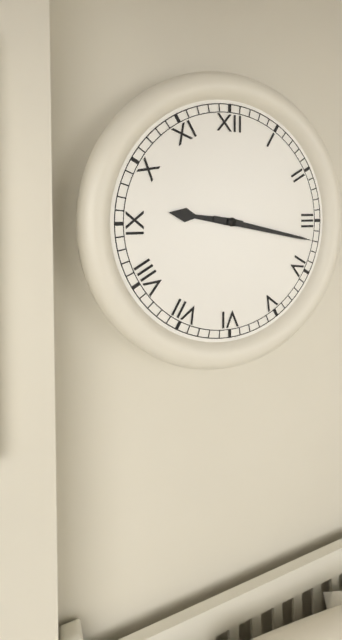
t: 9:17
